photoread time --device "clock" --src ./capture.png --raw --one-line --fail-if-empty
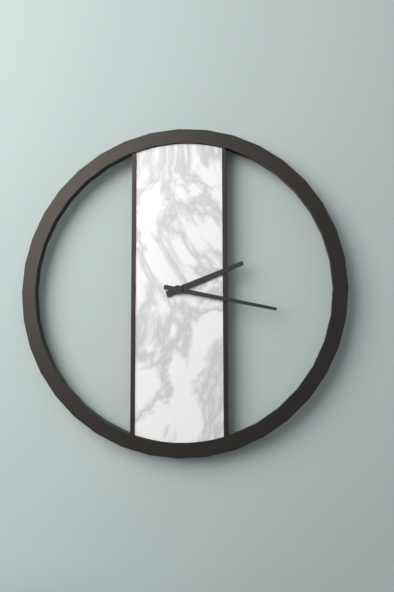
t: 2:17
